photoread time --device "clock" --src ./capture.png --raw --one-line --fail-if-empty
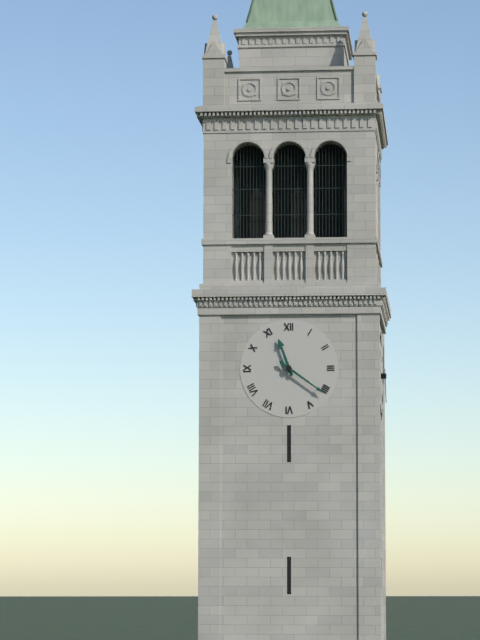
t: 11:21
